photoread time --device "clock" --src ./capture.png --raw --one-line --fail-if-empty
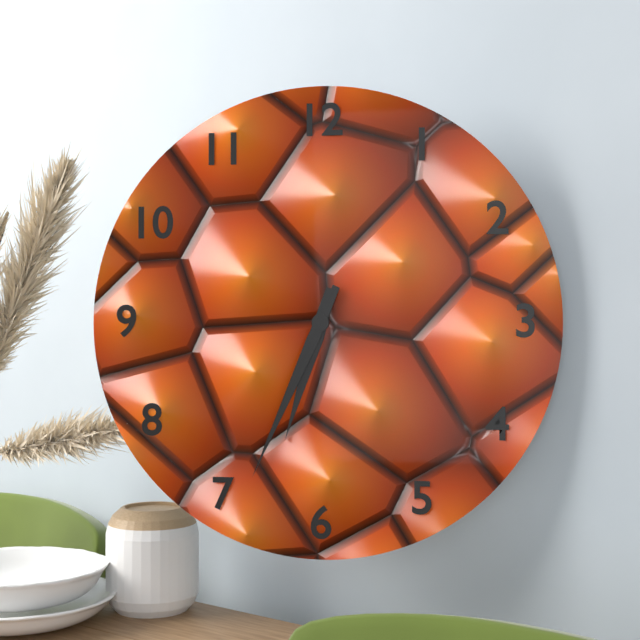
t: 6:34
